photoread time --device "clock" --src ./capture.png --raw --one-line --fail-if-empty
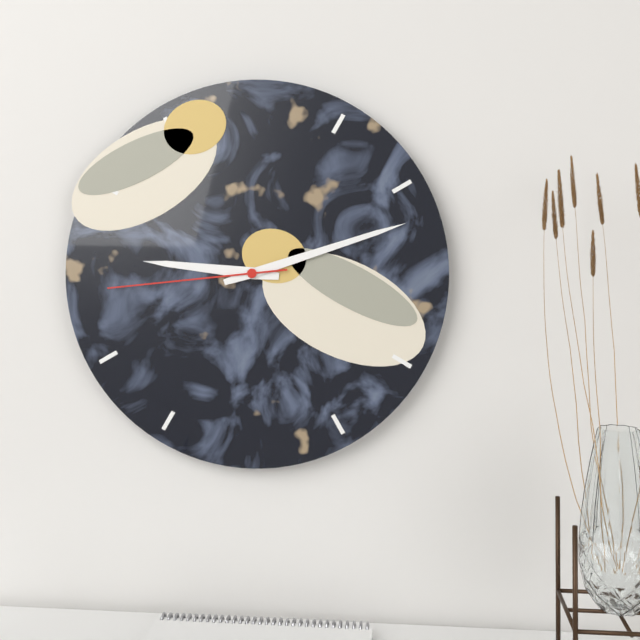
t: 9:12:44
